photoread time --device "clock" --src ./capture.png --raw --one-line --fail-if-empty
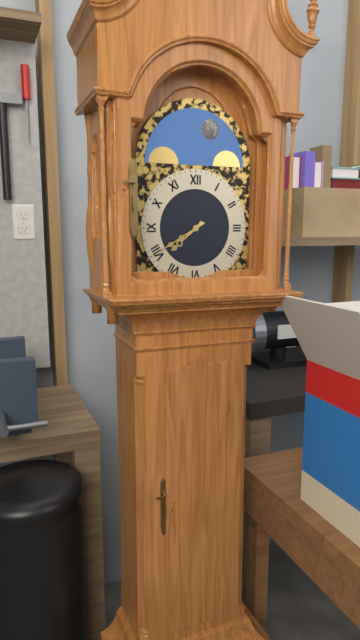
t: 7:40
